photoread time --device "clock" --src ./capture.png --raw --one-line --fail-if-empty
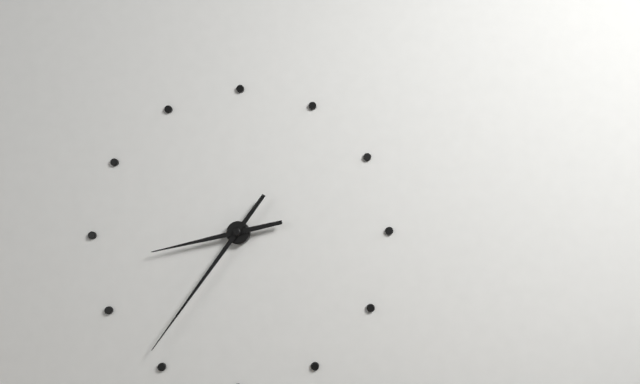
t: 8:36
